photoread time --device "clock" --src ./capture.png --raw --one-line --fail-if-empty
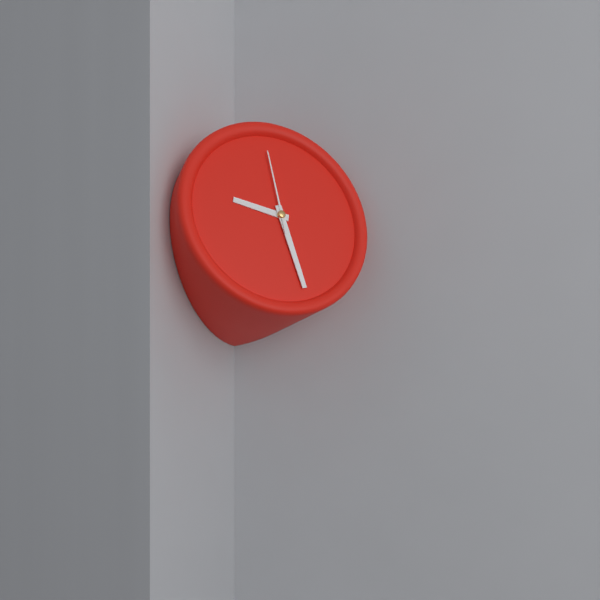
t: 9:28:59
